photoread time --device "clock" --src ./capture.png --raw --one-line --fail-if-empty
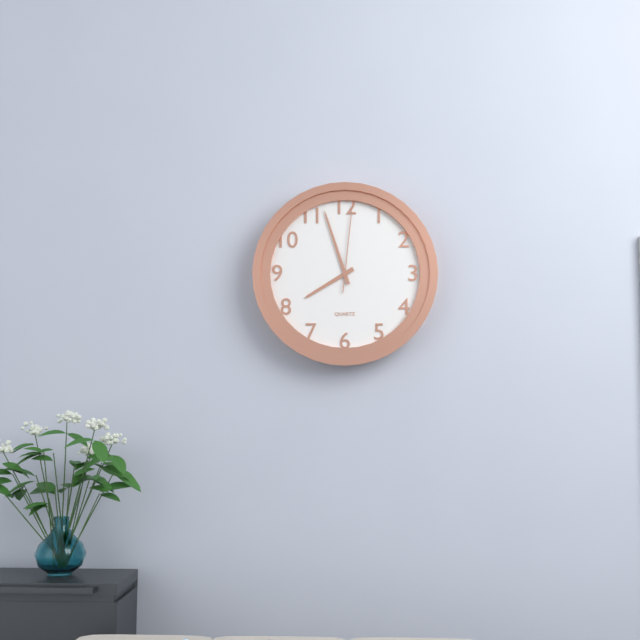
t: 7:57:01
